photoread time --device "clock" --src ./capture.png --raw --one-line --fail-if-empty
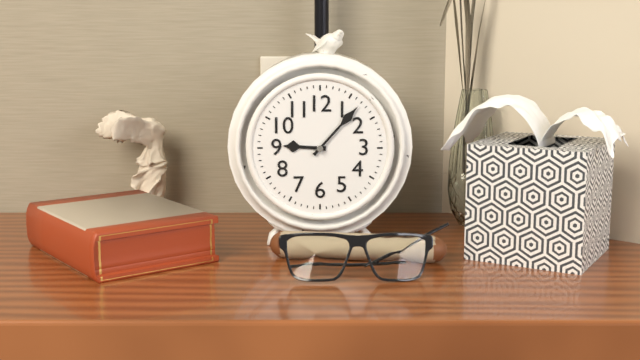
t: 9:07
